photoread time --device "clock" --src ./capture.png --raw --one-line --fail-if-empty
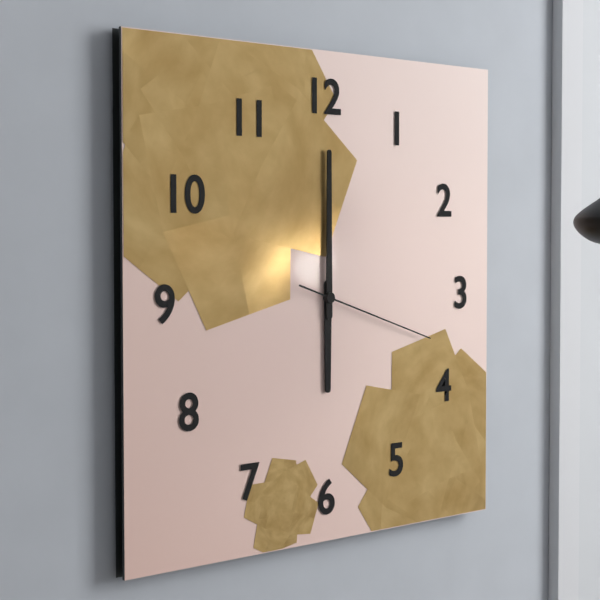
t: 6:00:18
